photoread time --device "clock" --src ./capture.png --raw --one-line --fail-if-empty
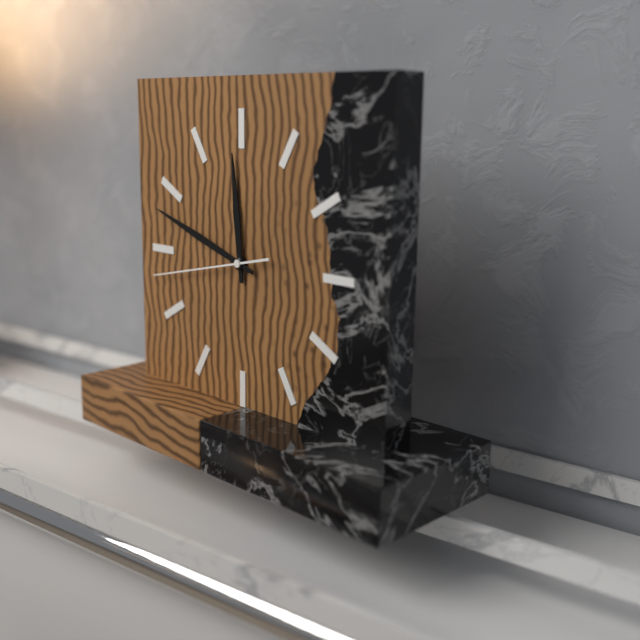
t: 11:48:43
